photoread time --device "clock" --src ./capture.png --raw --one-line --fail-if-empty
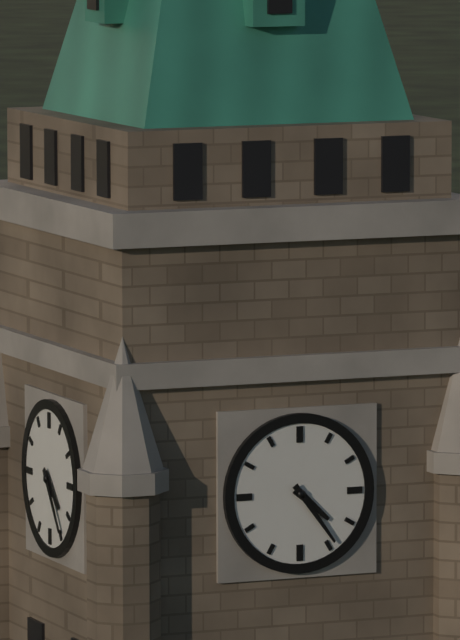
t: 4:24
